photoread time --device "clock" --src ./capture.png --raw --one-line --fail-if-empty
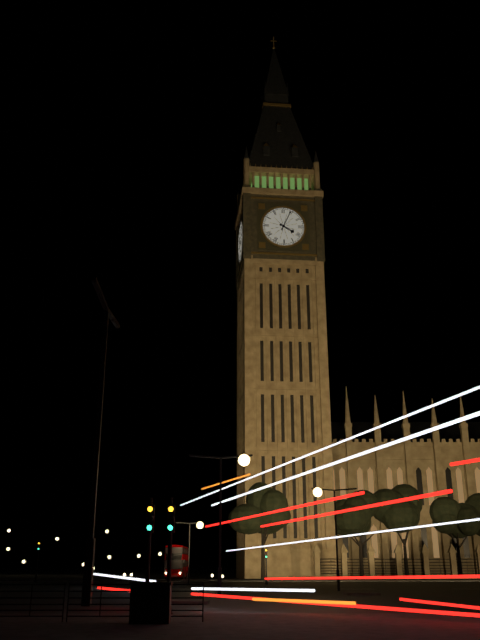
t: 4:04
